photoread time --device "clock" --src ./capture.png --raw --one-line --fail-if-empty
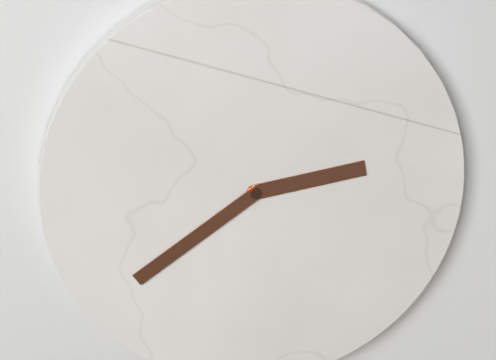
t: 2:39
